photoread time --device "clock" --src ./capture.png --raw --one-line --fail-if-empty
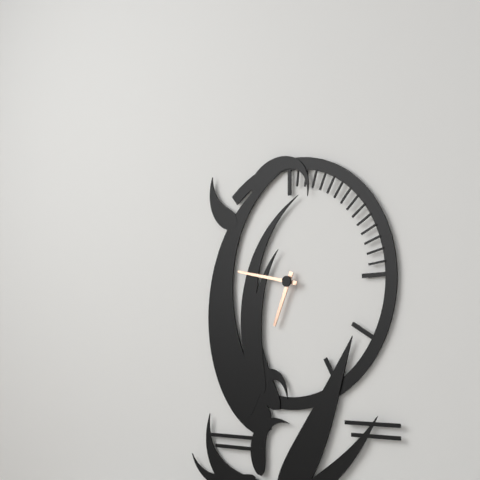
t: 6:47
